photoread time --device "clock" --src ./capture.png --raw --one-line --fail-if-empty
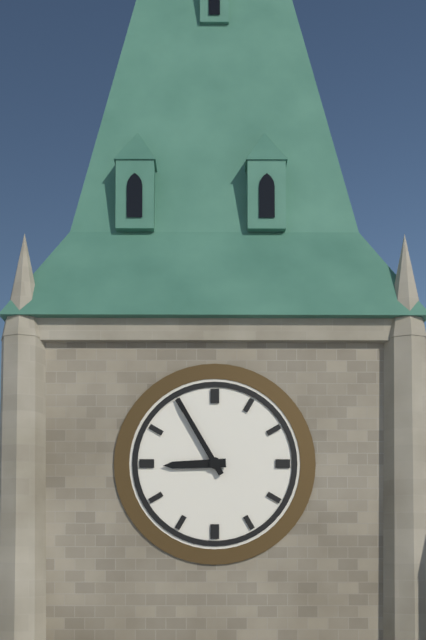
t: 8:55
